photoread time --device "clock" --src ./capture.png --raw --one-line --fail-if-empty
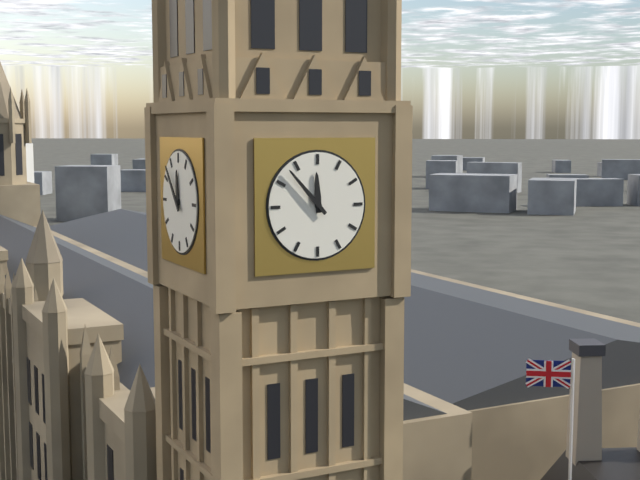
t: 11:53
